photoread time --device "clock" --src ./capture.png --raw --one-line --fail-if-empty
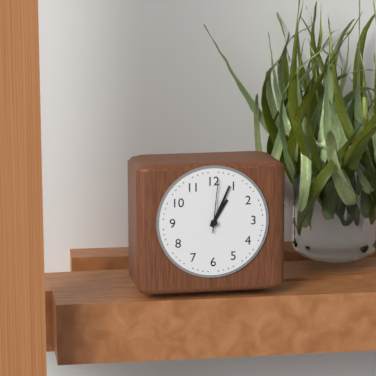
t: 1:04:01
